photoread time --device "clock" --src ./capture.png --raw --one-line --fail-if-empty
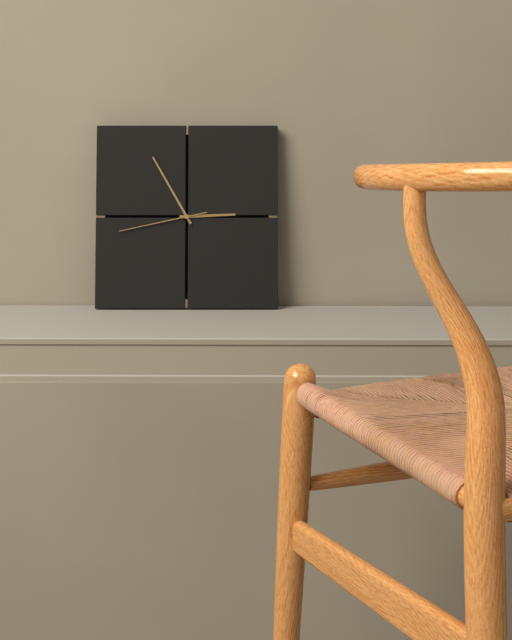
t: 2:55:43
